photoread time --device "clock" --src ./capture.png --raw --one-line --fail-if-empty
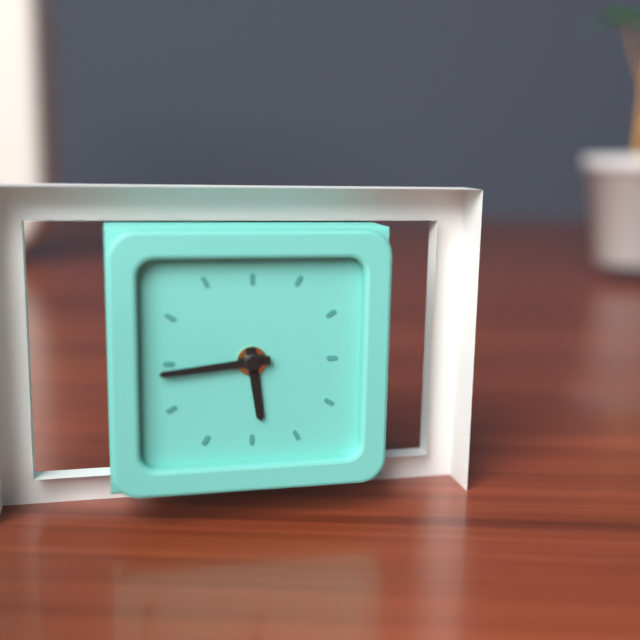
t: 5:44
